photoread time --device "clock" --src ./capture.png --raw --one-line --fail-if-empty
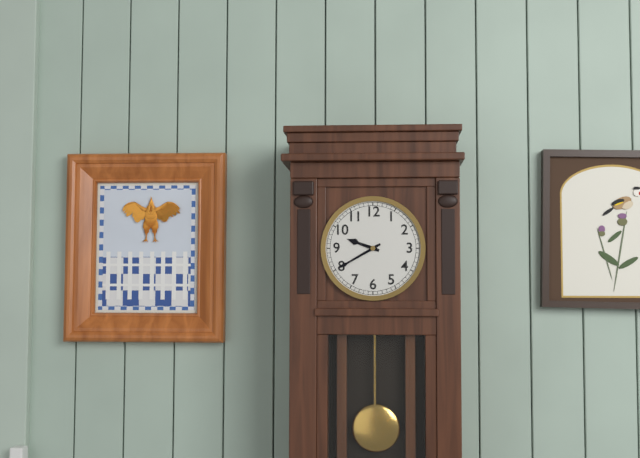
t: 9:40
